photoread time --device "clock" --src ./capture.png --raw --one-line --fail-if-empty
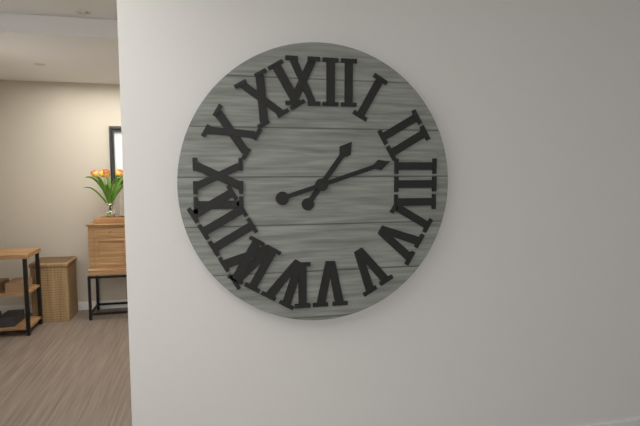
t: 1:12
